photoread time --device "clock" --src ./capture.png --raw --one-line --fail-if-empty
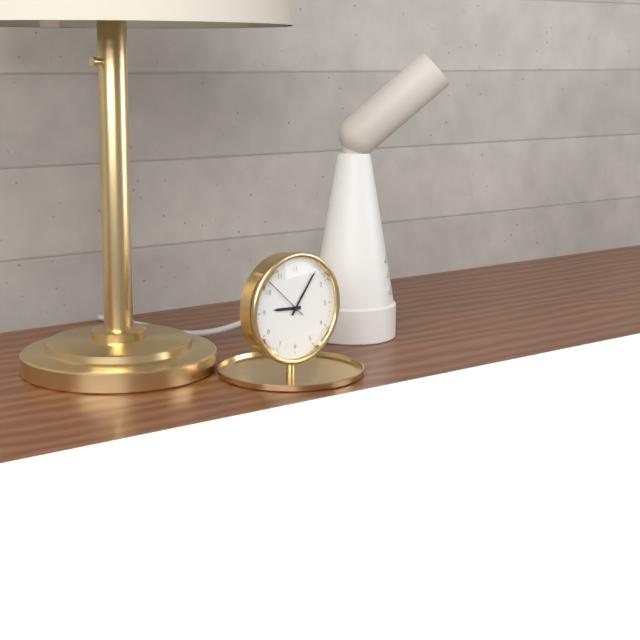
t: 9:06
